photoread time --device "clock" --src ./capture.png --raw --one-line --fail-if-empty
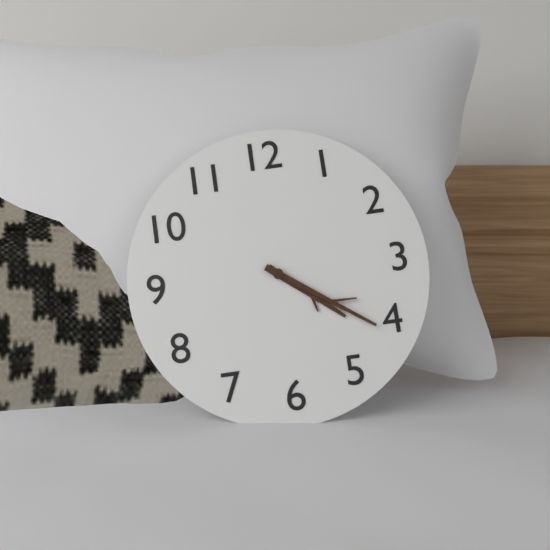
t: 4:21
